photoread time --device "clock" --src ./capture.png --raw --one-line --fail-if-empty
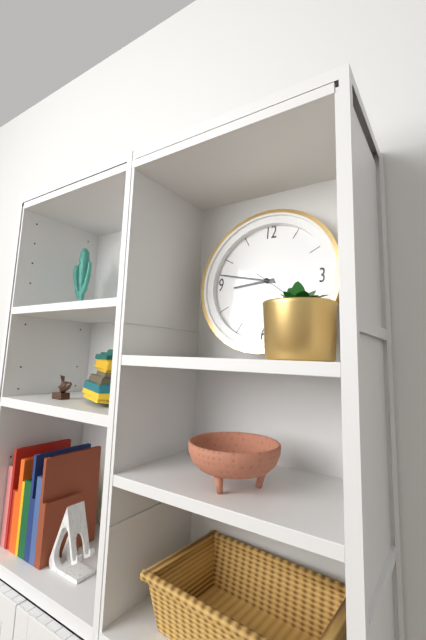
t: 8:47
